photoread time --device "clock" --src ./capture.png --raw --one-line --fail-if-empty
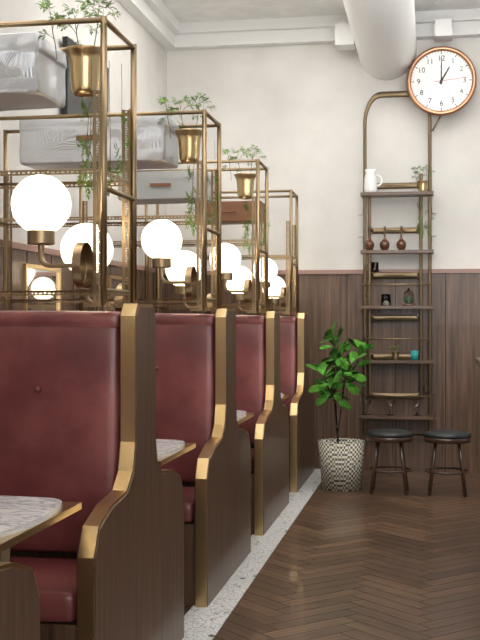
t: 1:00
